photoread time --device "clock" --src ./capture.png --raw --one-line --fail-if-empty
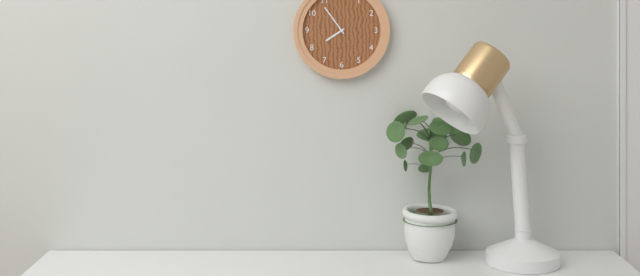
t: 7:54
